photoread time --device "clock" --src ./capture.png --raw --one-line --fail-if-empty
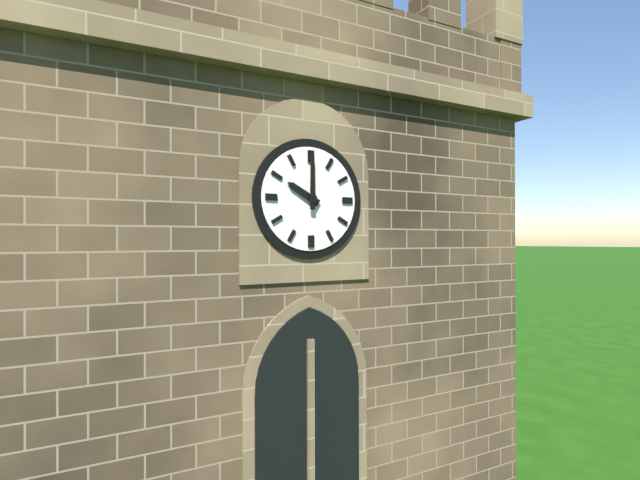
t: 10:00
